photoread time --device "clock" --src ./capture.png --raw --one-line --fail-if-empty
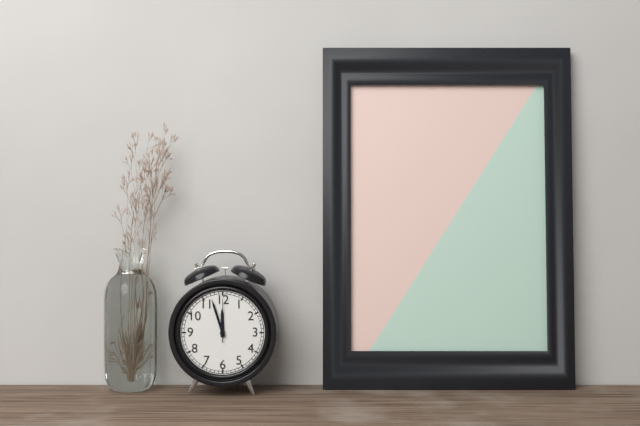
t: 11:57
